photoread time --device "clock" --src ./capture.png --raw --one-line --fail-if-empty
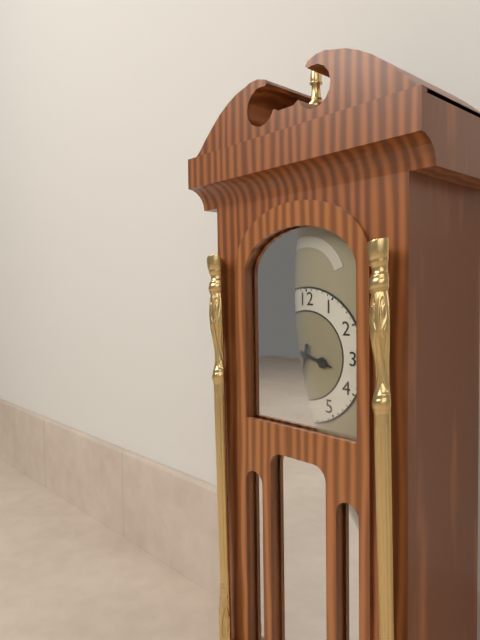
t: 3:32
